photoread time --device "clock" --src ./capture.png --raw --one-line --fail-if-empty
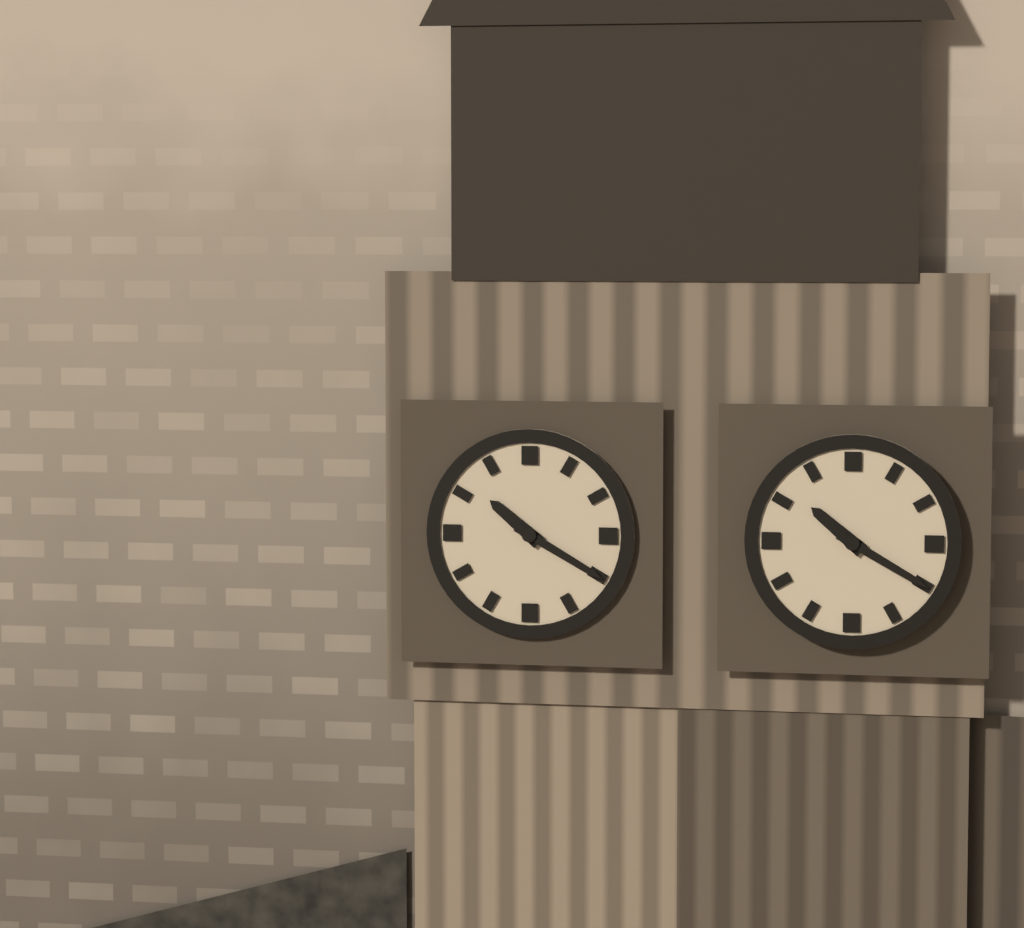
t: 10:20
